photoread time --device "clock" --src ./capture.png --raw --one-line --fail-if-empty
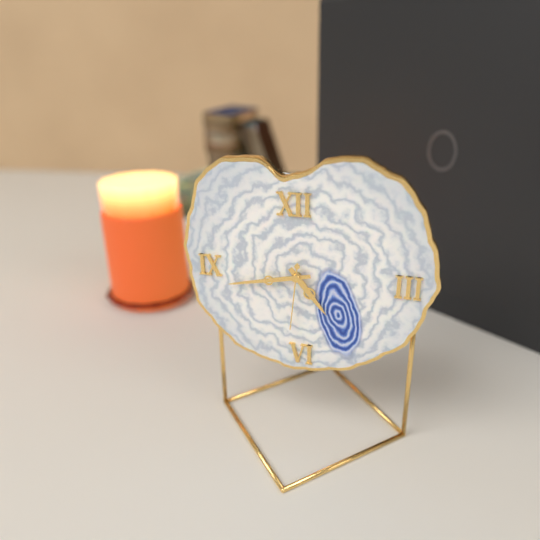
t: 4:43:31
